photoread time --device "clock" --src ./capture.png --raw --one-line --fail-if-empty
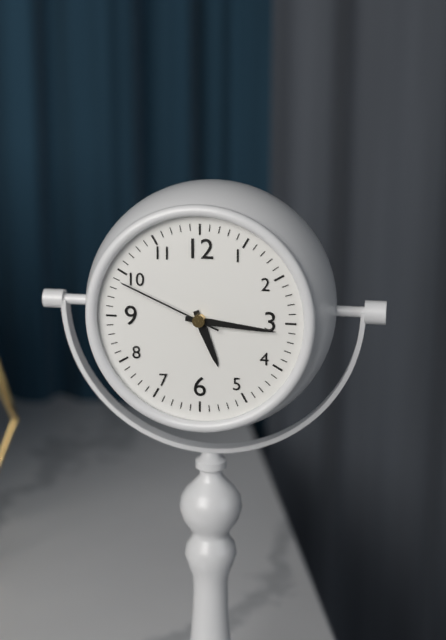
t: 5:16:49
